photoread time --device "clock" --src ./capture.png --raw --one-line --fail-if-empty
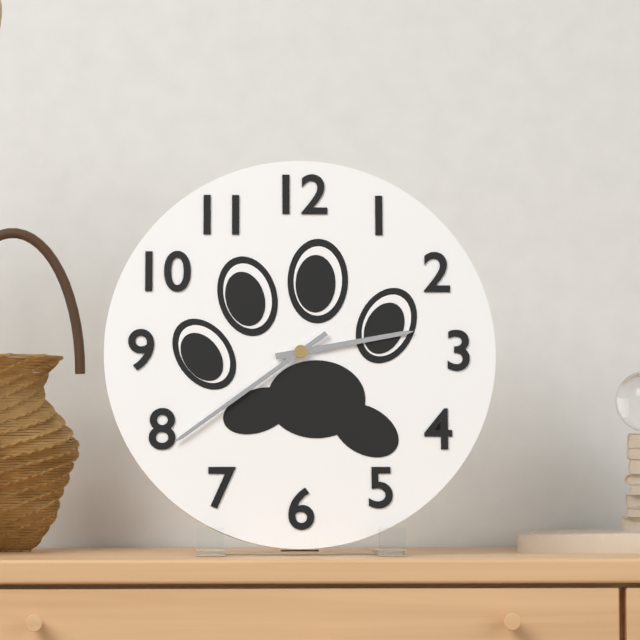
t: 2:39
